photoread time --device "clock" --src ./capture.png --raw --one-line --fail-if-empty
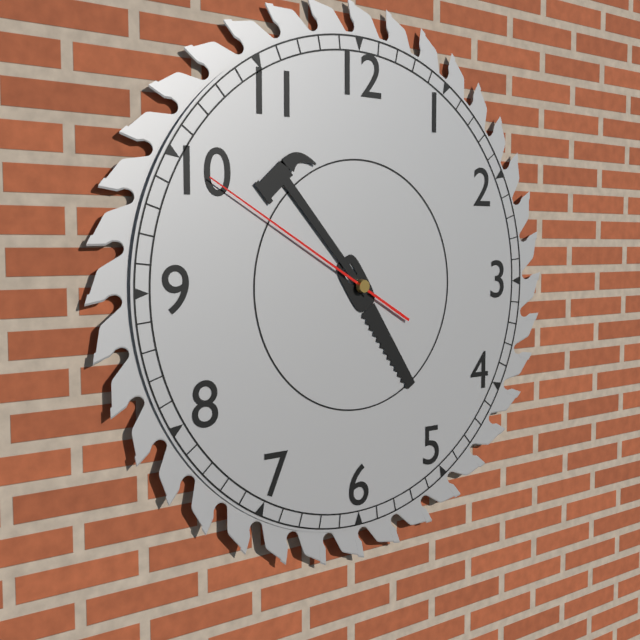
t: 4:53:50
